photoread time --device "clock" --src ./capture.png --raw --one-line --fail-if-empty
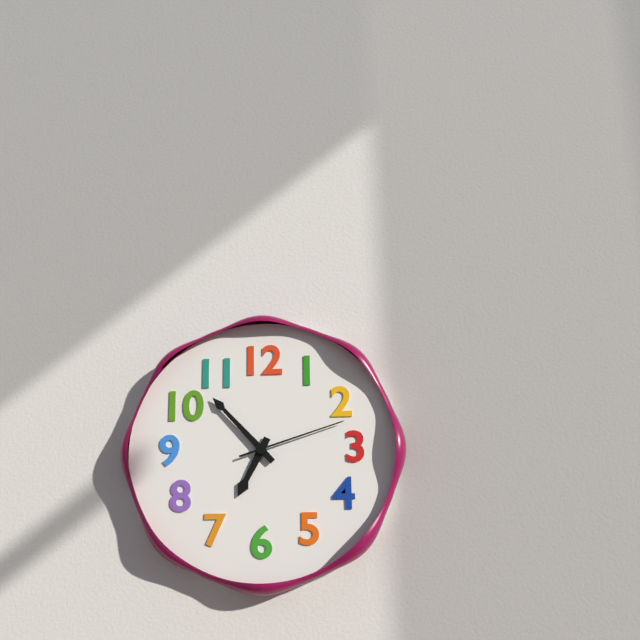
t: 6:53:12
